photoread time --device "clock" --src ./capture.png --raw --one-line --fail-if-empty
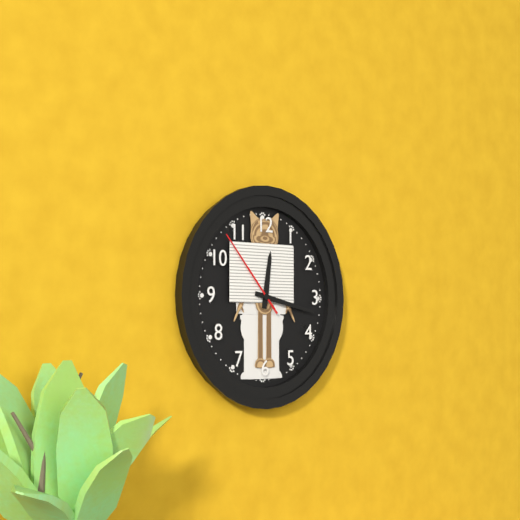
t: 12:17:53
